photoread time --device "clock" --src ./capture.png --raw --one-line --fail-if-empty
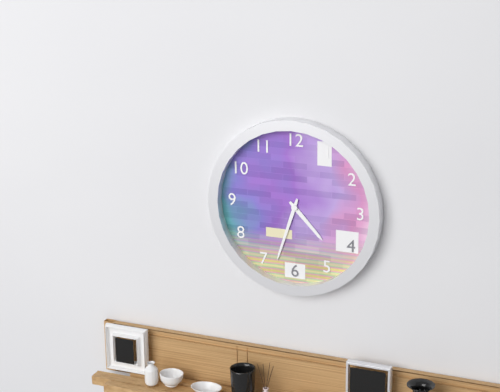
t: 4:33
